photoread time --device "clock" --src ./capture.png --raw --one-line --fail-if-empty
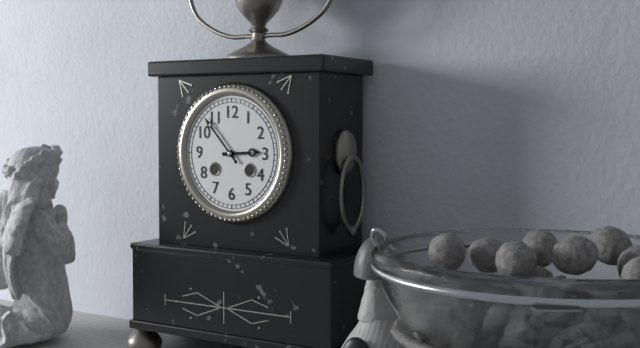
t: 2:53
